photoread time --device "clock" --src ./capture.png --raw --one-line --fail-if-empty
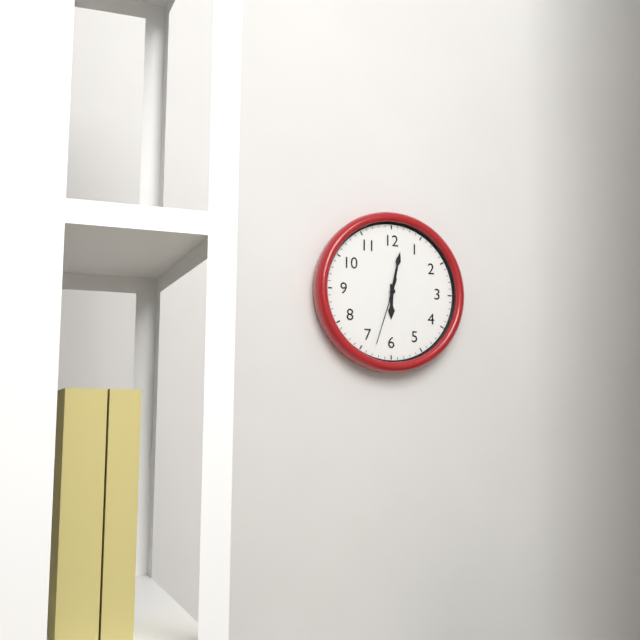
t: 6:02:33
